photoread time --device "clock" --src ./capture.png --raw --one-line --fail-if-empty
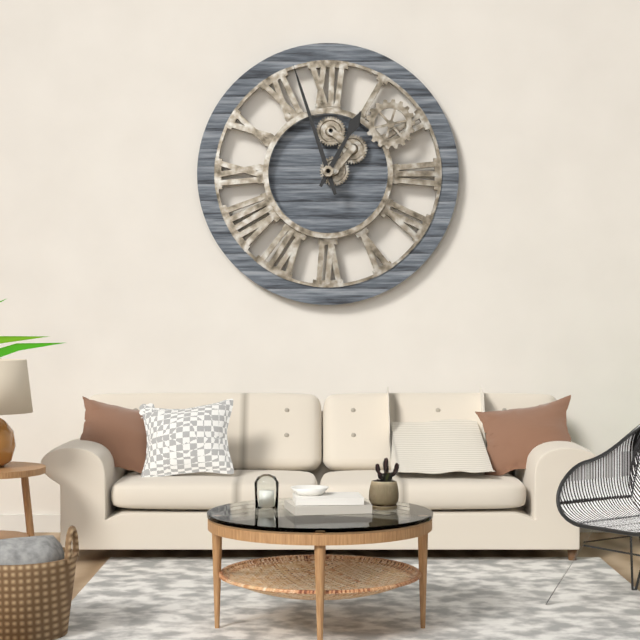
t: 12:57
